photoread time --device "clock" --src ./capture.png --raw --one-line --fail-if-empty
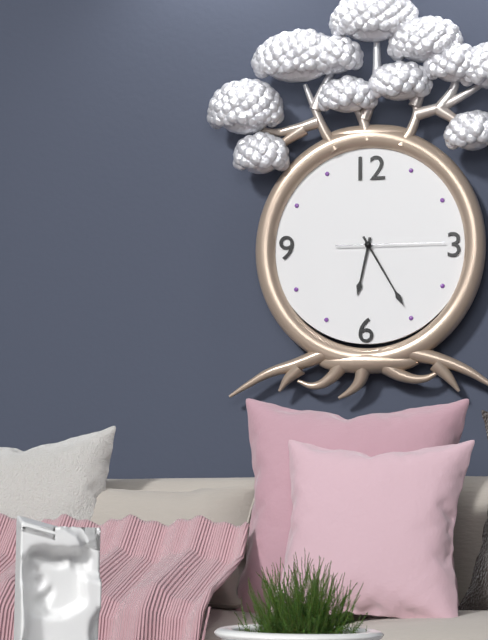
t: 6:25:15
